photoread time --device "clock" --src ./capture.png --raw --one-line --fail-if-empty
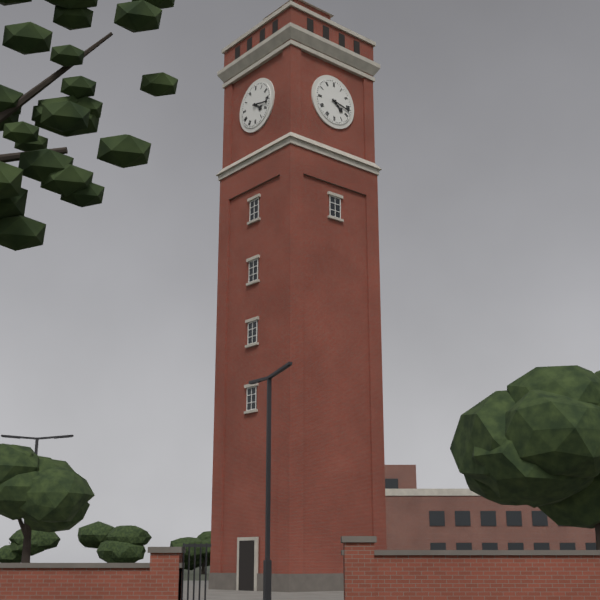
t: 4:17
